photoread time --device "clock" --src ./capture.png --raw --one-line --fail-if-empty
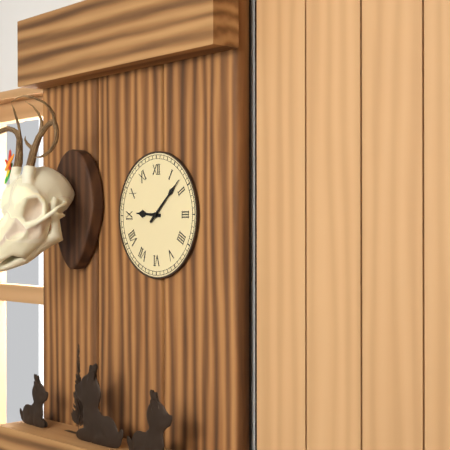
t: 9:08
